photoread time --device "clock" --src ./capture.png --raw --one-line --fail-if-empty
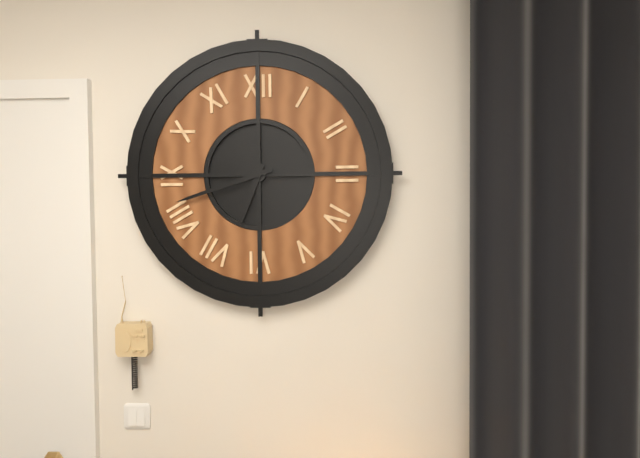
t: 6:42
